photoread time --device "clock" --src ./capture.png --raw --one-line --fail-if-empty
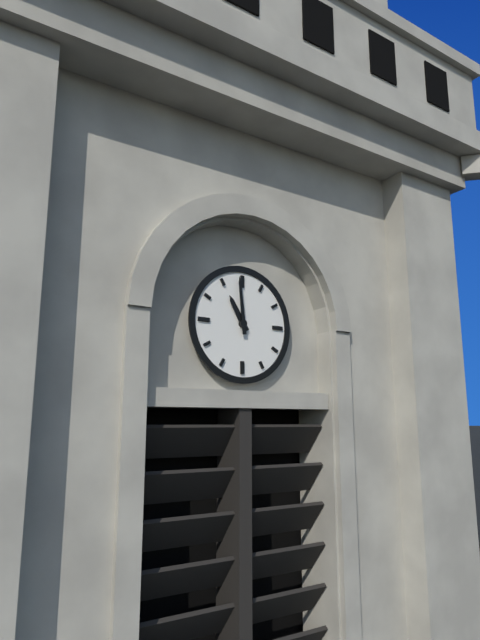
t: 10:59
